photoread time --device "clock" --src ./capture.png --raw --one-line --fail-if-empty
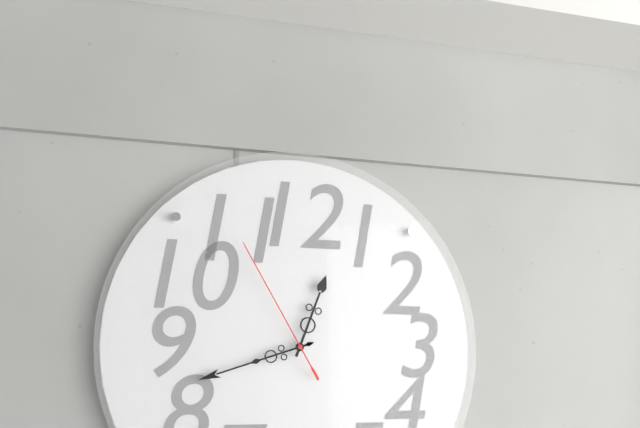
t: 12:42:55
